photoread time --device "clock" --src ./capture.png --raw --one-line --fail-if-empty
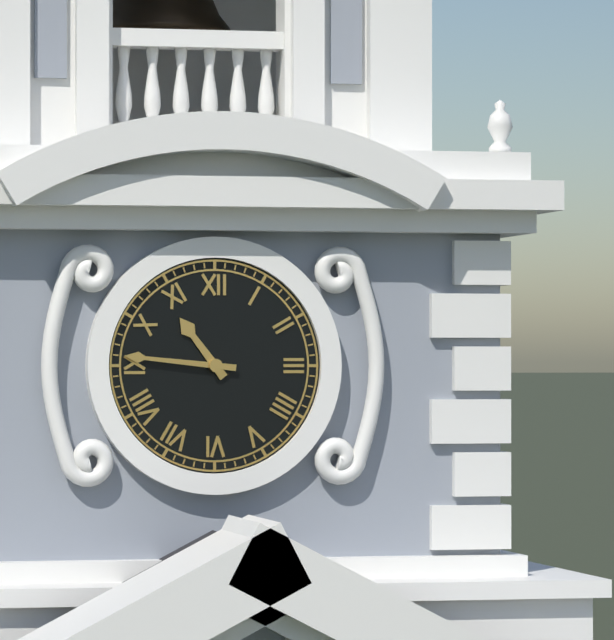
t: 10:46
